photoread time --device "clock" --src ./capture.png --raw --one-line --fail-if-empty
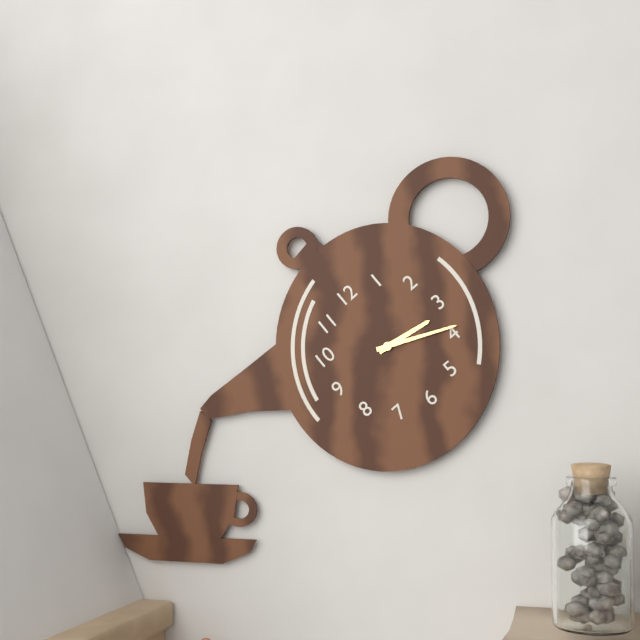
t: 3:19
